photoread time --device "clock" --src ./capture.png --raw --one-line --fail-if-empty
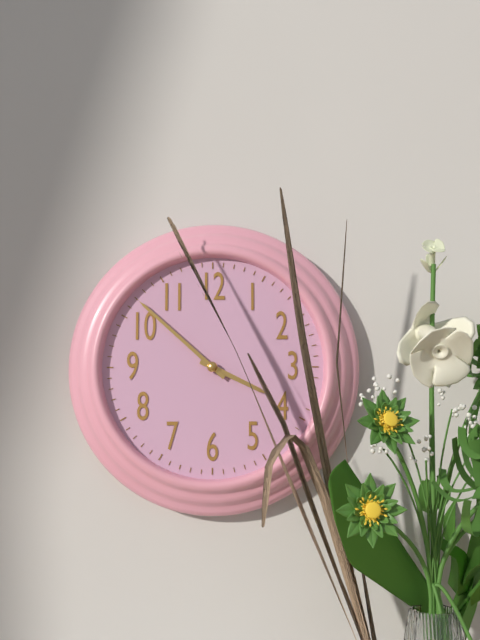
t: 3:52
